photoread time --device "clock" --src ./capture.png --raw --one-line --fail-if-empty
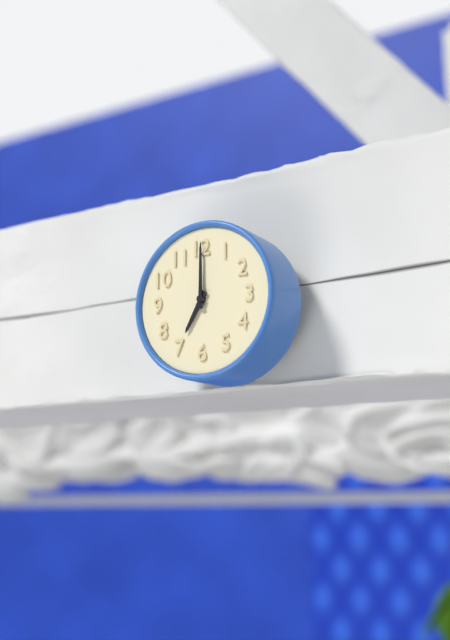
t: 7:00
